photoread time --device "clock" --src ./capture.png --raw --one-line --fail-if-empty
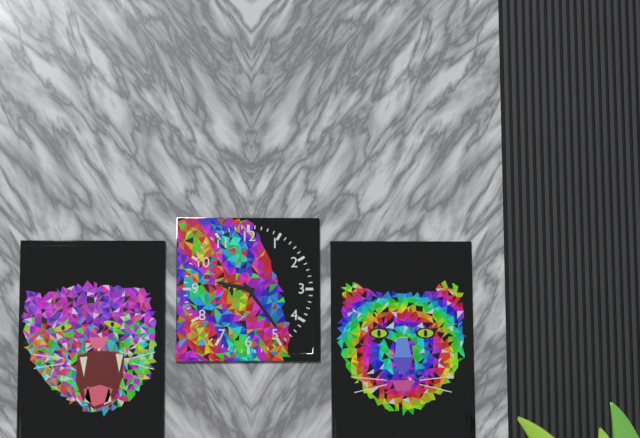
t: 9:24
